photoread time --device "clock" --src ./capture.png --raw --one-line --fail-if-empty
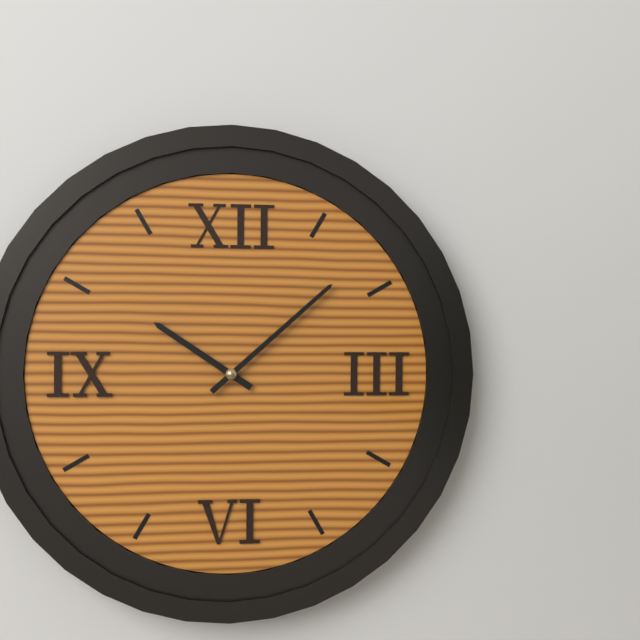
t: 10:08
